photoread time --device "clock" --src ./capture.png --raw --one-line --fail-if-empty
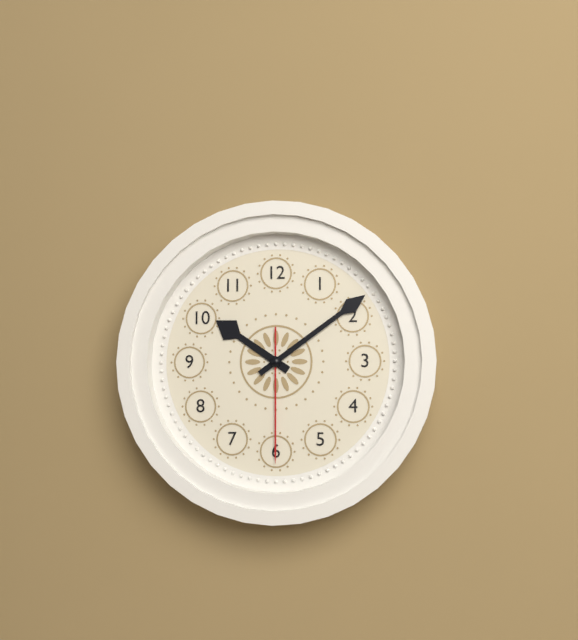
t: 10:09:30
